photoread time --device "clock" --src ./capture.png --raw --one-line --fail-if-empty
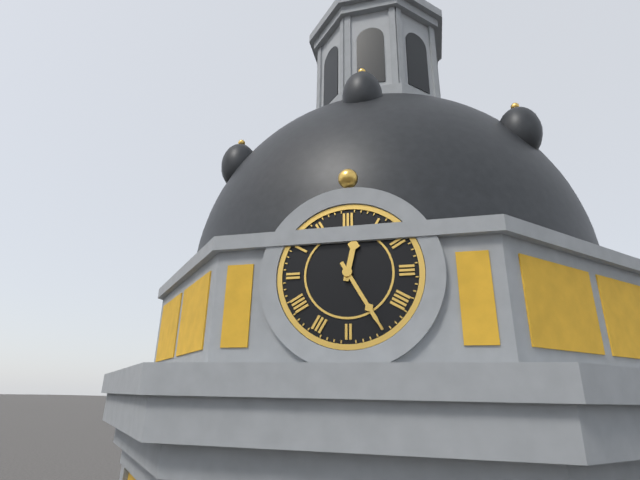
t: 12:25
